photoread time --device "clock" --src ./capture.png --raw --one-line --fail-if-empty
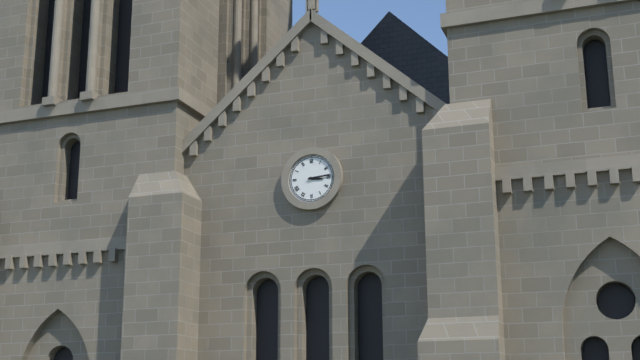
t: 3:14
